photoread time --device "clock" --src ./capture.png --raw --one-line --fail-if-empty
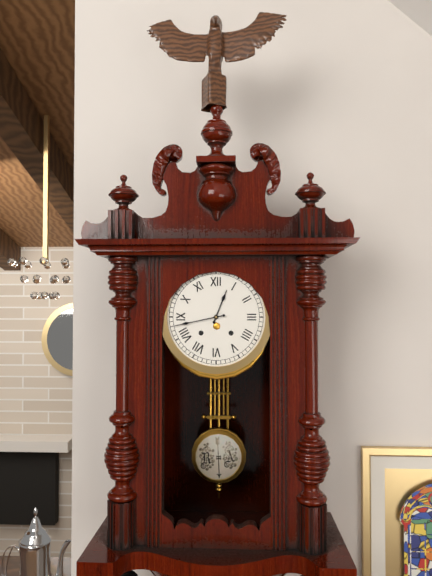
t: 12:43
